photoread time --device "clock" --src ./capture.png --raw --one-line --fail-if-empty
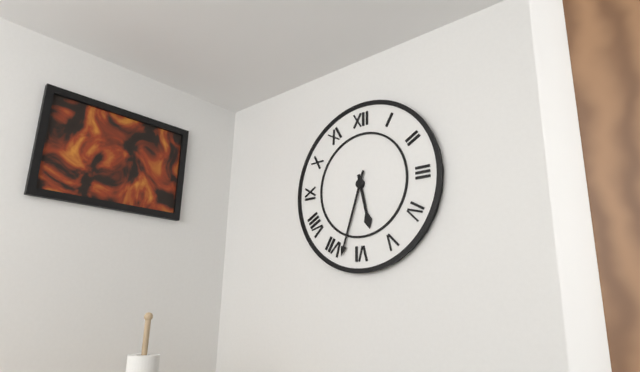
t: 5:33
